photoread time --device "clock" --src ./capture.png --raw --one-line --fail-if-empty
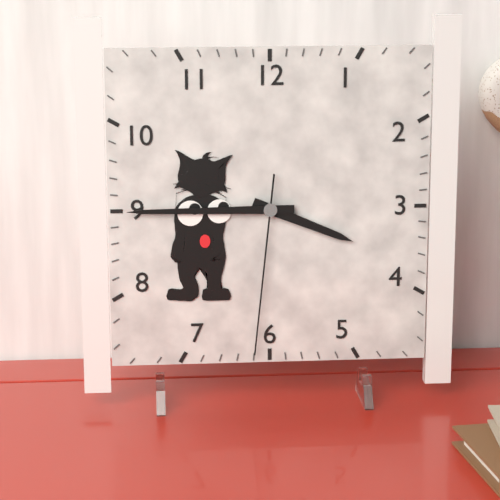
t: 3:45:31
